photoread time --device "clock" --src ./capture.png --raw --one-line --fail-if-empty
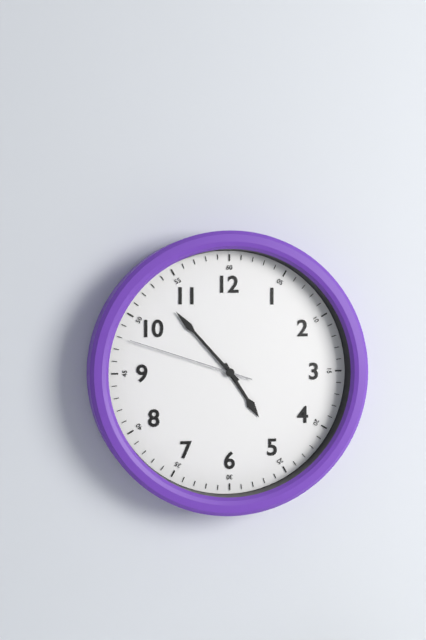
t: 4:53:48
